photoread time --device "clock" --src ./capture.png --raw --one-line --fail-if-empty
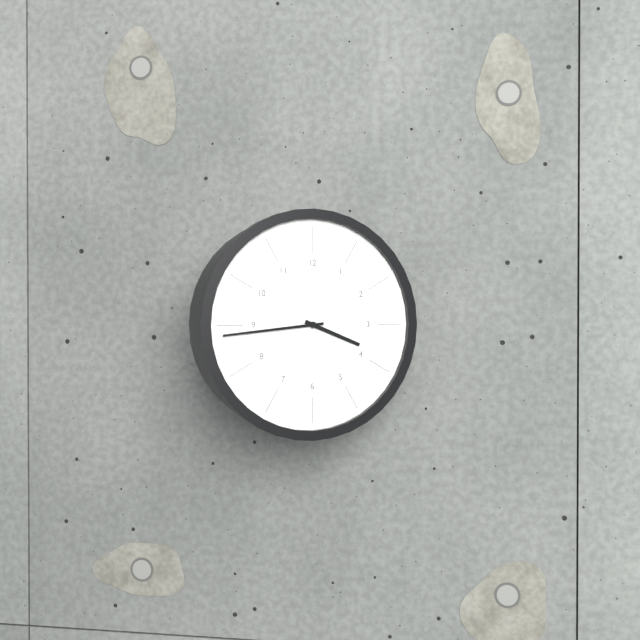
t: 3:44
